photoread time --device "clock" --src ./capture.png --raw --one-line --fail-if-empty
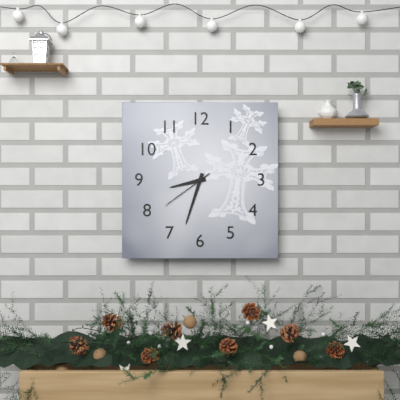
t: 8:33:39
